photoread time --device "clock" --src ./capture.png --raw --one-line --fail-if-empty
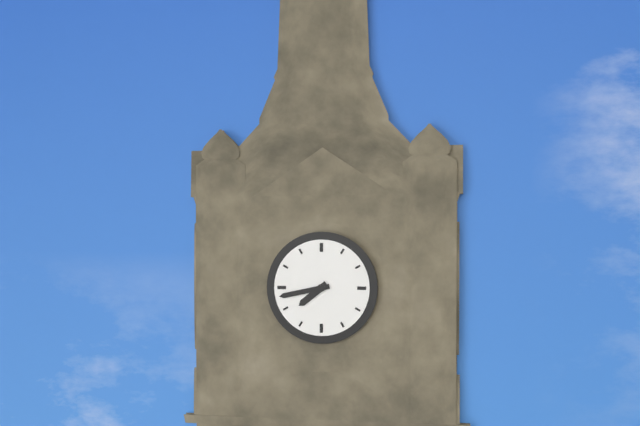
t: 7:43
